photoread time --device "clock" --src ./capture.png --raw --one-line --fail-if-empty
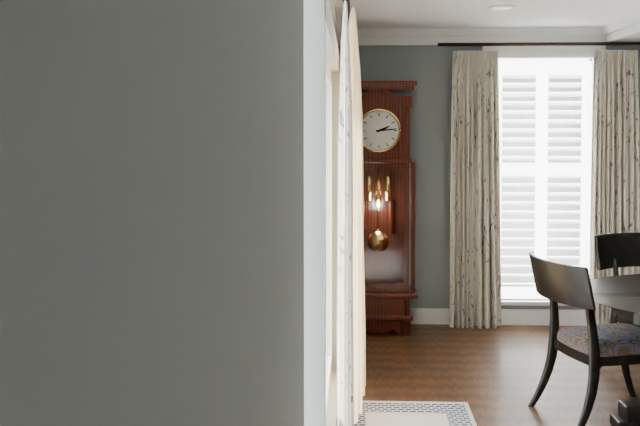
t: 2:14
